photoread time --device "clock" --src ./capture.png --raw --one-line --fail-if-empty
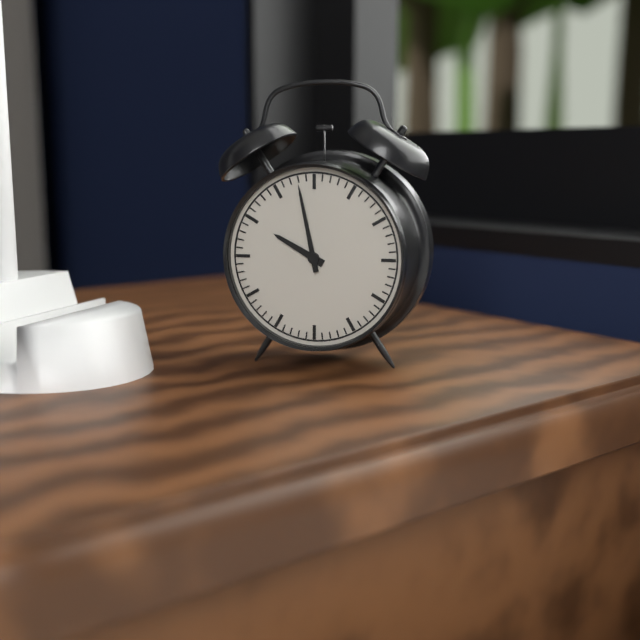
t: 9:58
